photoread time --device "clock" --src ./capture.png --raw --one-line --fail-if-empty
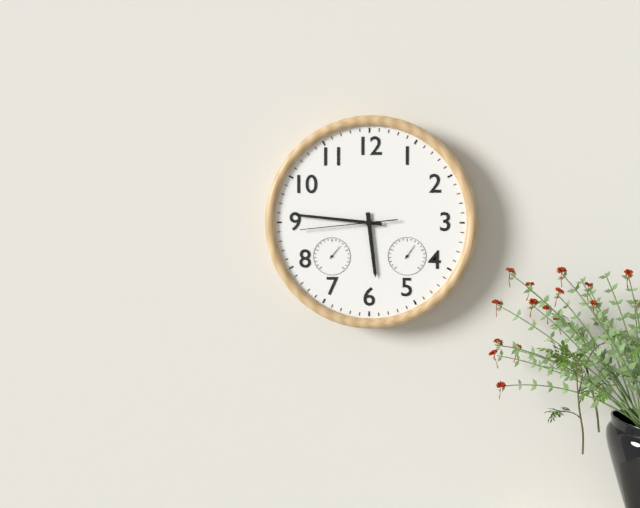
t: 5:46:44
